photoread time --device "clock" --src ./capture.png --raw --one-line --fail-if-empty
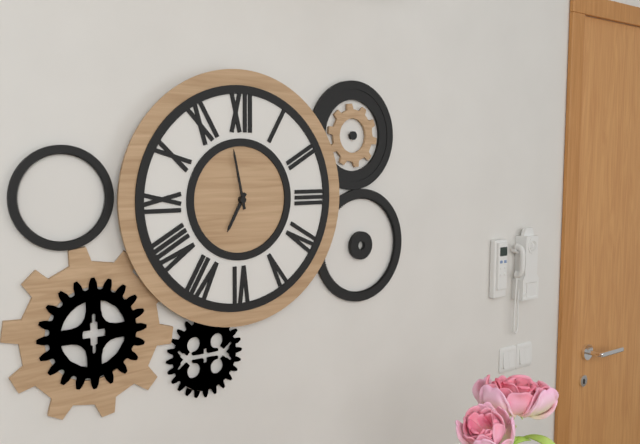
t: 6:58
